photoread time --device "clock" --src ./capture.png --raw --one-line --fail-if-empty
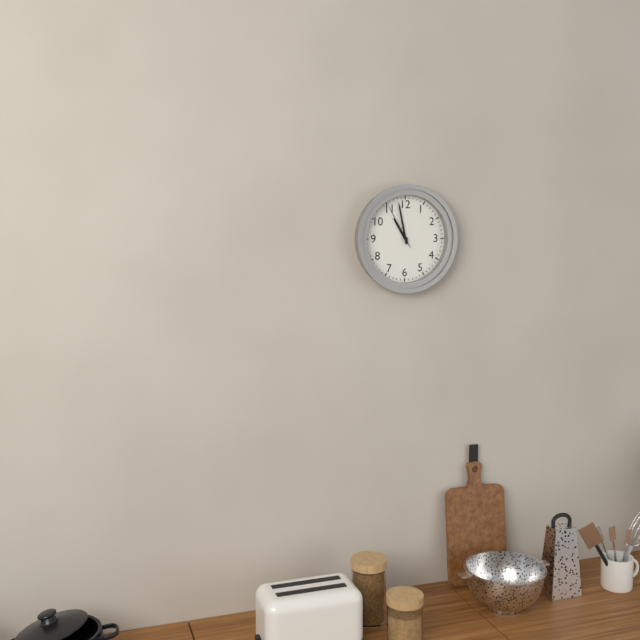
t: 10:58
